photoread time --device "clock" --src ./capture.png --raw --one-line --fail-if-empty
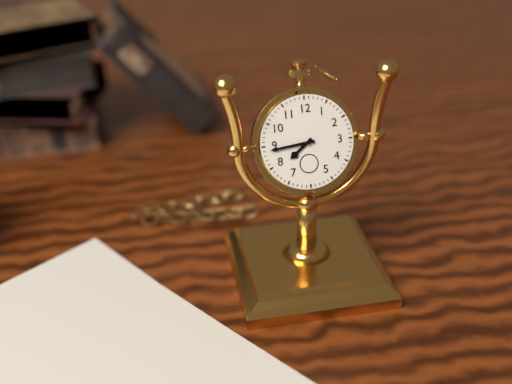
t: 7:44
